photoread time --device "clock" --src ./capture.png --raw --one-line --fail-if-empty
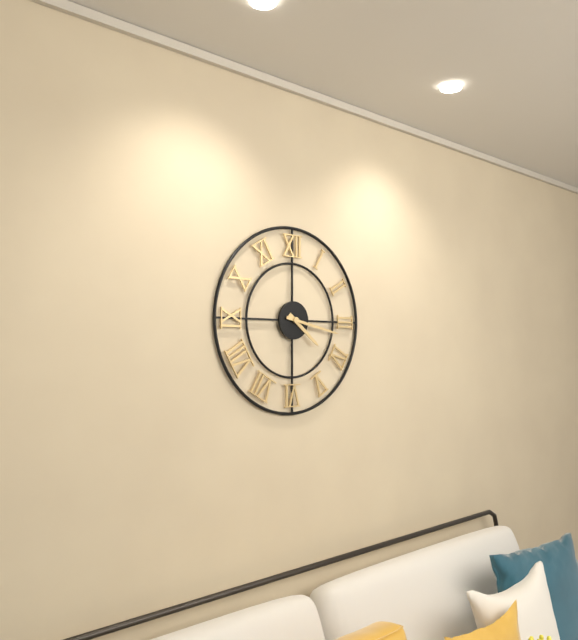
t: 4:17
